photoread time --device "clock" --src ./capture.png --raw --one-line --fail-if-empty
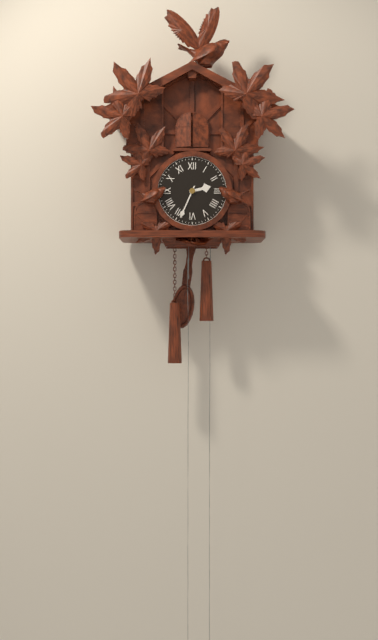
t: 2:34
